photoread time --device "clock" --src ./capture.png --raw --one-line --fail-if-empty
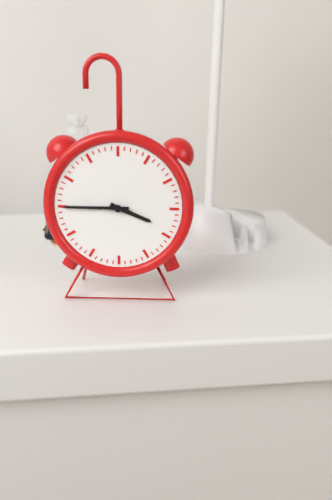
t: 3:45
